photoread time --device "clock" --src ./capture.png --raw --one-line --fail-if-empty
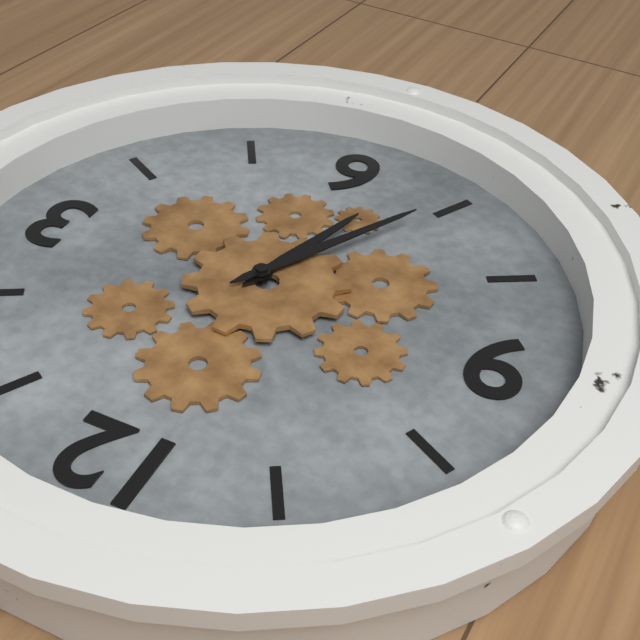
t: 6:35
